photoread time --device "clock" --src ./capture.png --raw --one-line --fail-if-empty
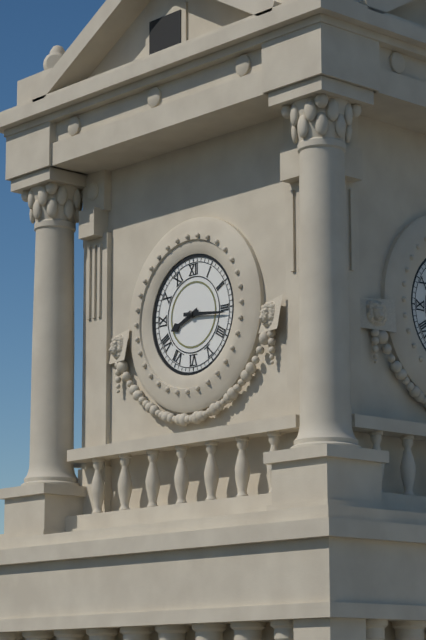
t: 8:16
